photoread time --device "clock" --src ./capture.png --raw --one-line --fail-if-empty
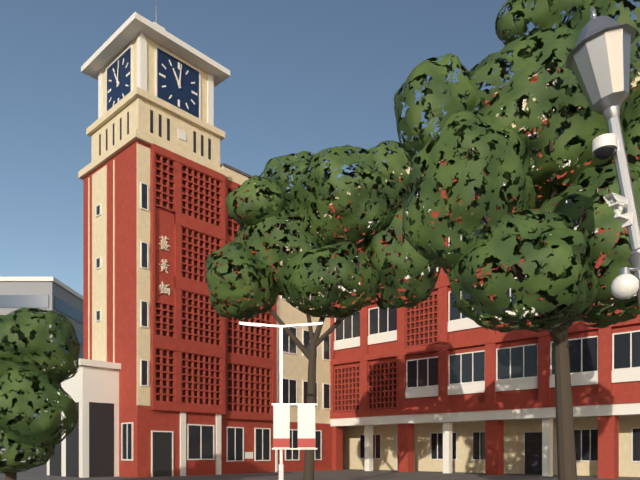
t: 11:01
